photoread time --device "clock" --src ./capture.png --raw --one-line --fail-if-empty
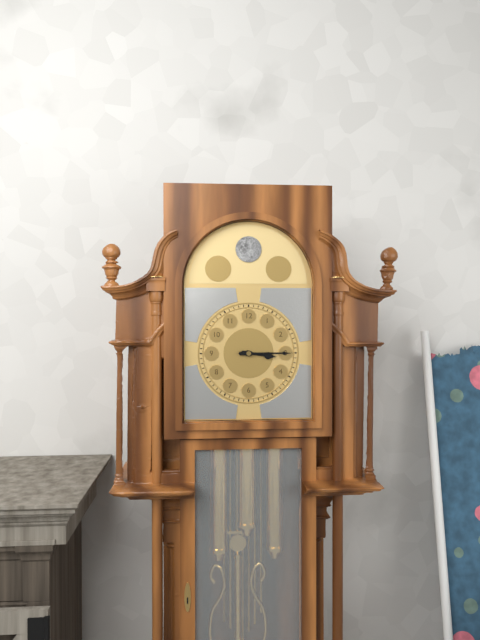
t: 3:15
